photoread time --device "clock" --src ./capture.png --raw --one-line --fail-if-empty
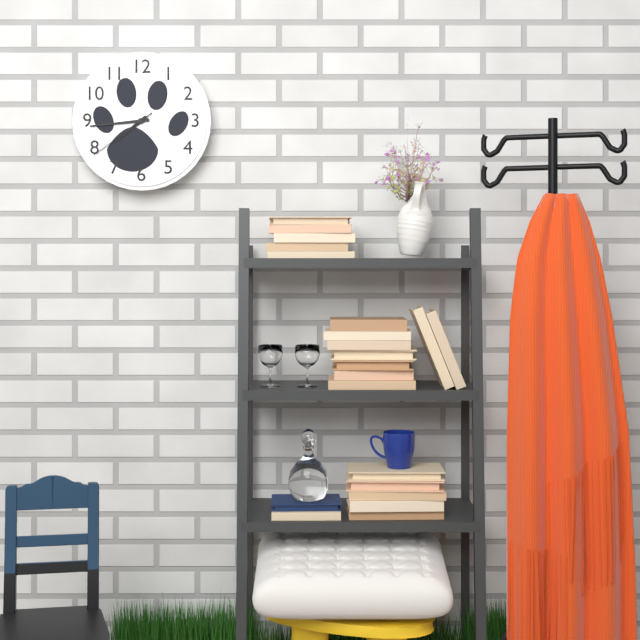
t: 7:44:39
